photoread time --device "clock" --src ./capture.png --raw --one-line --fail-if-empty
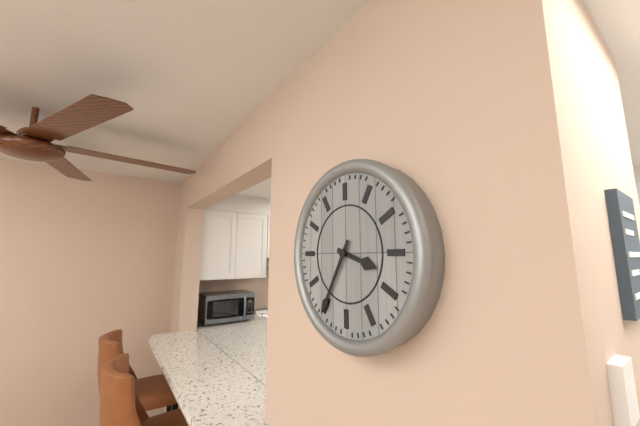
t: 3:35
